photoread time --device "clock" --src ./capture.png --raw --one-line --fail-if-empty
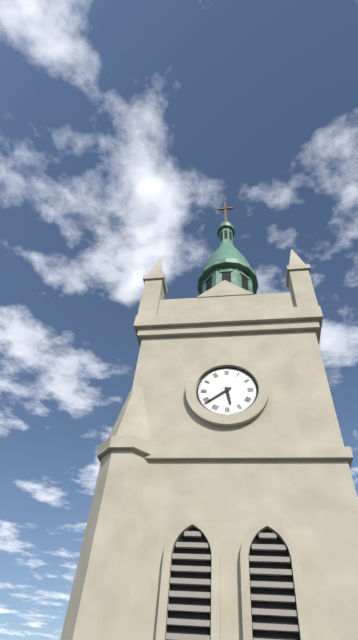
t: 5:39
